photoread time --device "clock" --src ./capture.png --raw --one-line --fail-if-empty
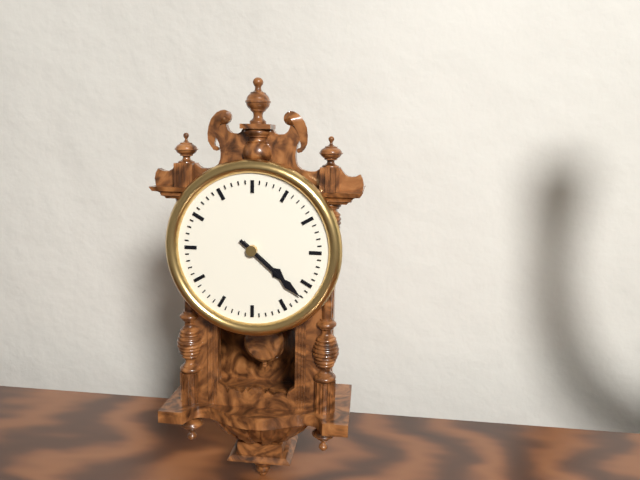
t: 4:22
